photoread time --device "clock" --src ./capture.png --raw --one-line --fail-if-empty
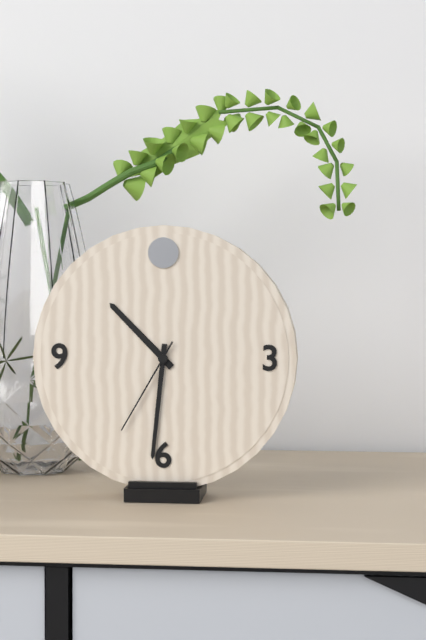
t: 10:31:35
